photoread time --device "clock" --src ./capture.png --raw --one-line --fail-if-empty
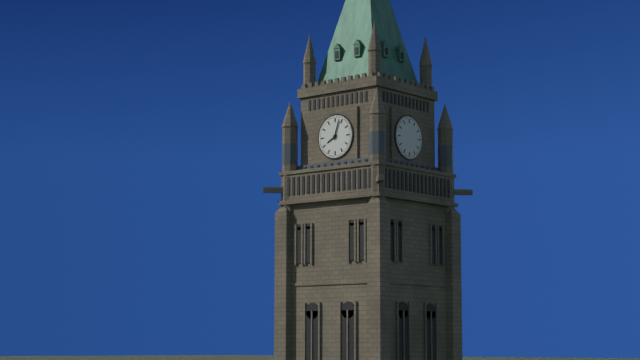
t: 8:03
